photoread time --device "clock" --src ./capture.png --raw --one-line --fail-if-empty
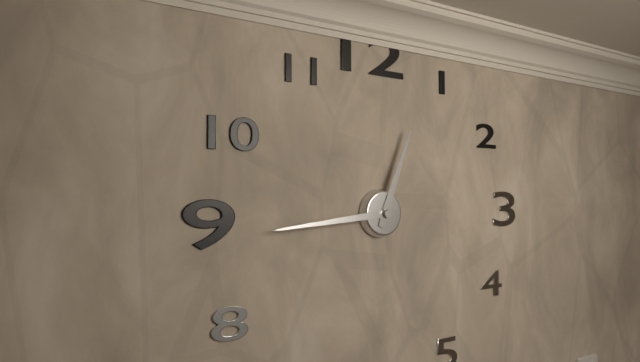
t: 12:44
